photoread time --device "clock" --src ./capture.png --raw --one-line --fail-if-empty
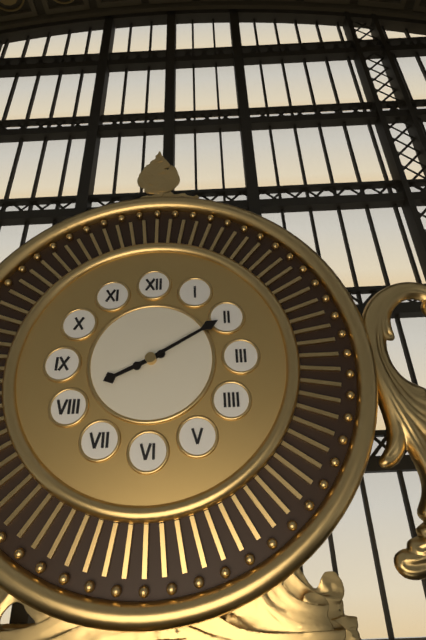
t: 8:10
